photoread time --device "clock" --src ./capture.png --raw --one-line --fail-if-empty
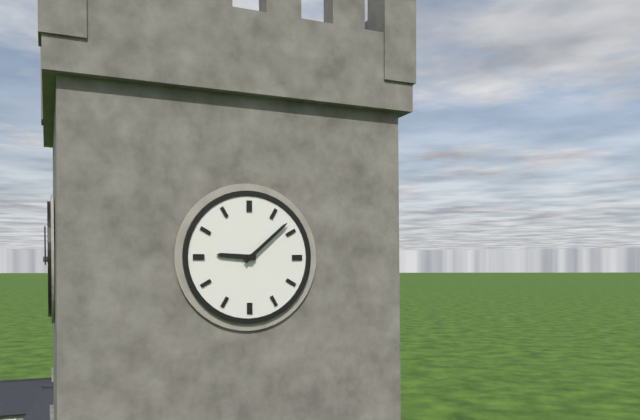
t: 9:08
